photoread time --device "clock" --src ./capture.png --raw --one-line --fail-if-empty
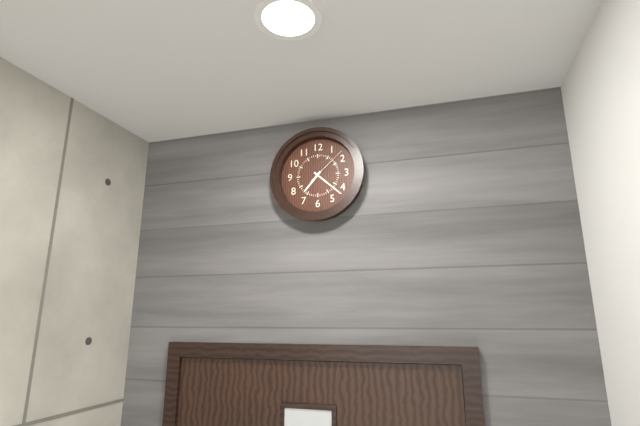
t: 7:22
